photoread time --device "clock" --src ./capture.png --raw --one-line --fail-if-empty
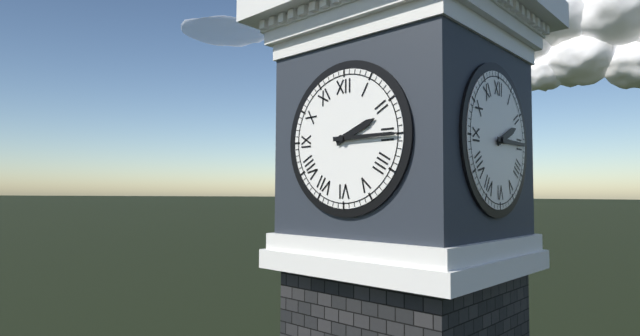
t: 2:15
